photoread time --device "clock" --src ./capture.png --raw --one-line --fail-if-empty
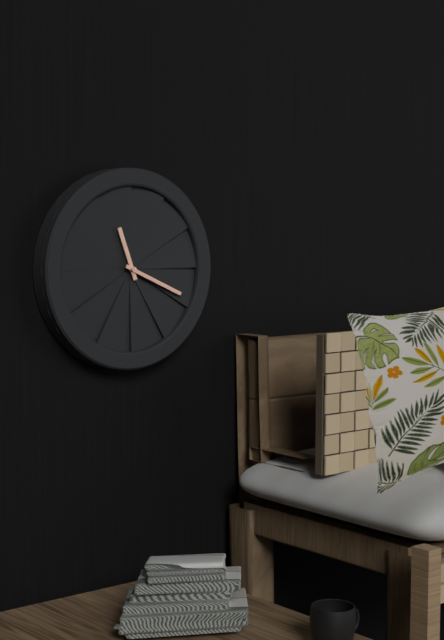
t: 11:19
